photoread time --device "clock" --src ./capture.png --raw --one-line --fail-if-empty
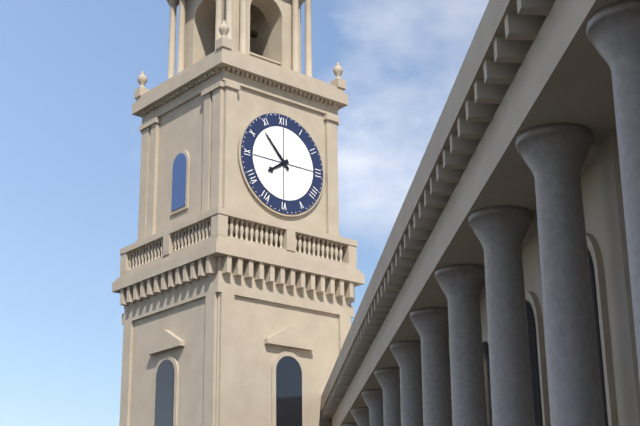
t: 7:53
